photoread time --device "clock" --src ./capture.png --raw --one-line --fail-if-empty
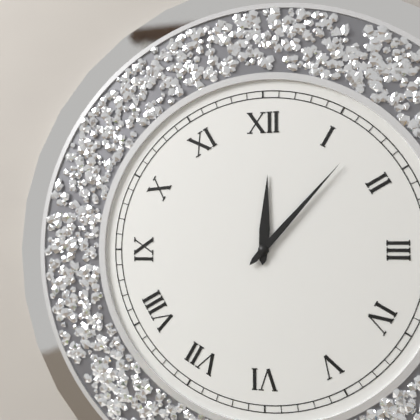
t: 12:07
